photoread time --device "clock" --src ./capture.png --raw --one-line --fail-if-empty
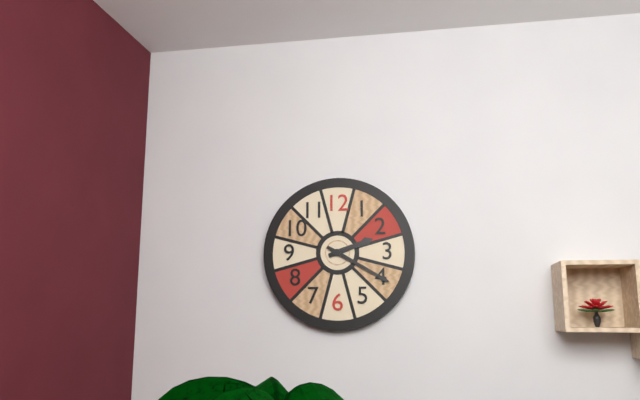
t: 2:20
